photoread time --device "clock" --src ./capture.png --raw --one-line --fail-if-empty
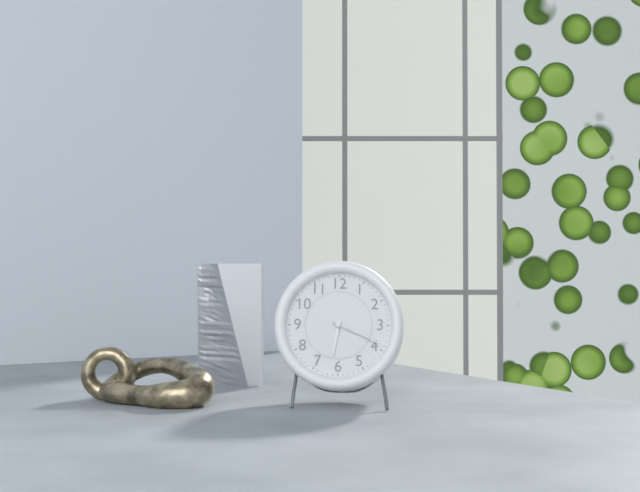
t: 6:19
